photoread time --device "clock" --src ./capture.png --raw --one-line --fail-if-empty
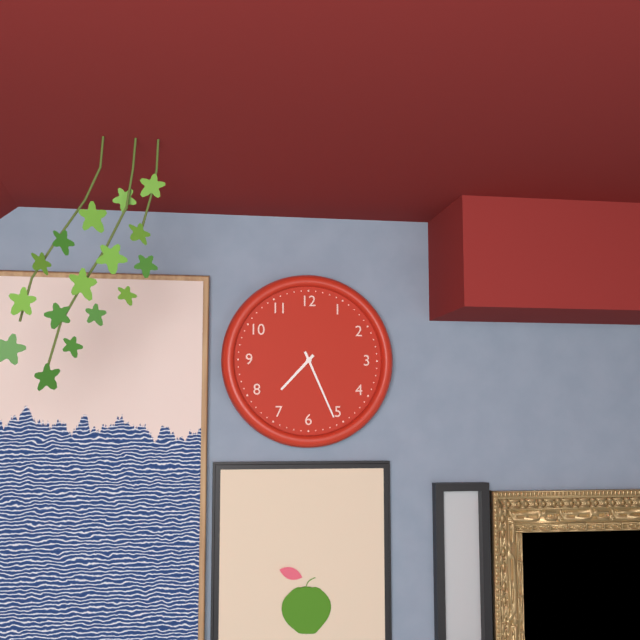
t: 7:26
